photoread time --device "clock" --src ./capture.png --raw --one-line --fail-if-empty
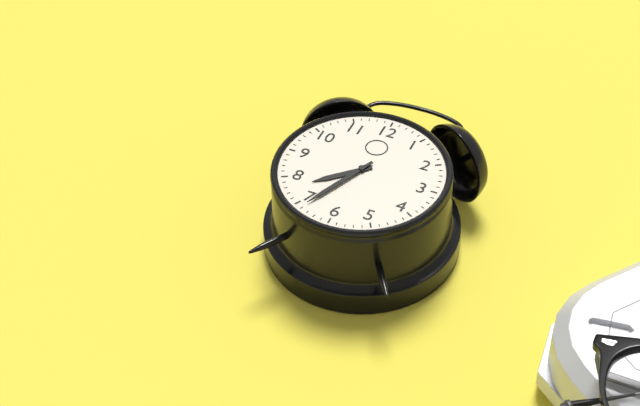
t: 7:34
